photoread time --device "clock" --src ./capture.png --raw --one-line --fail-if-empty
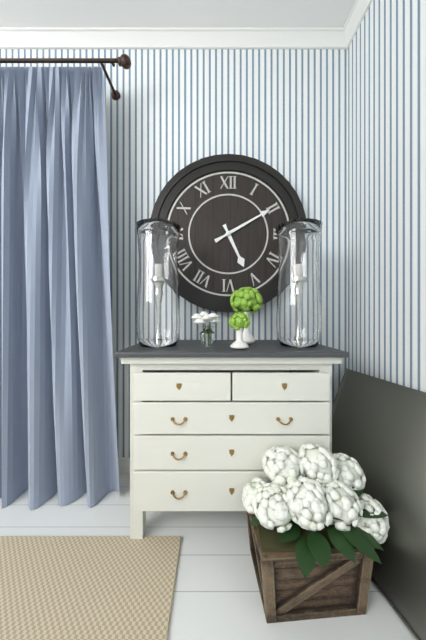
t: 5:10
